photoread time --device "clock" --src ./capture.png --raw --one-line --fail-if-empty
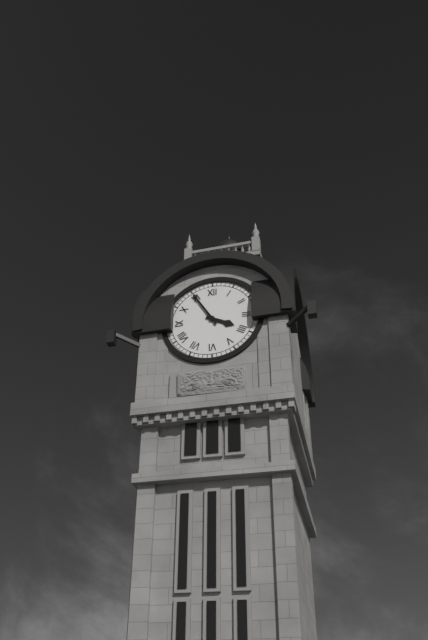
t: 3:55
